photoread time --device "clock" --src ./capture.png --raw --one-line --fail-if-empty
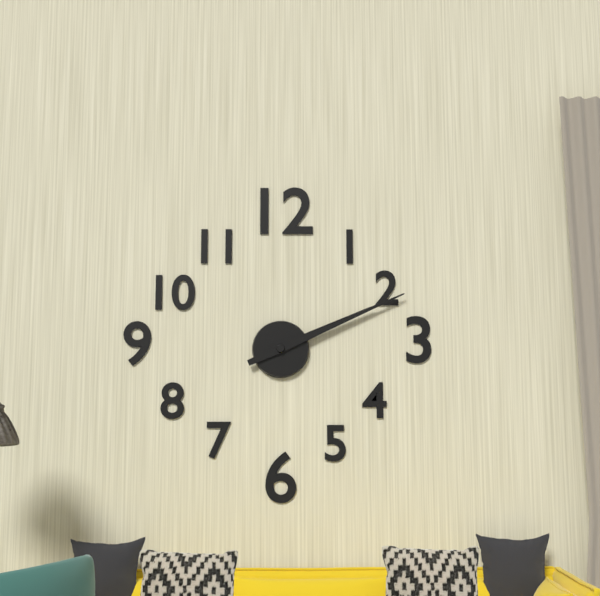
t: 2:11
